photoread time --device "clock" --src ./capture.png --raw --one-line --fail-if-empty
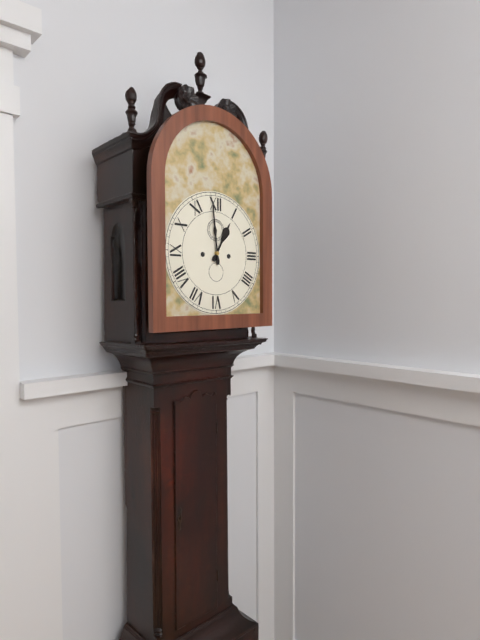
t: 12:59
